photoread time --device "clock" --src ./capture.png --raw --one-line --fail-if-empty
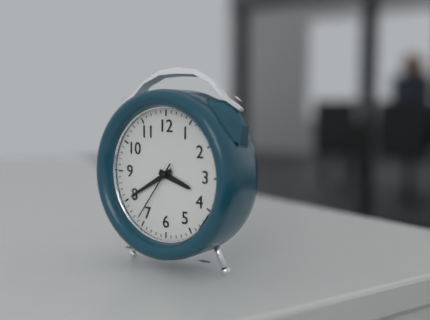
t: 3:40:36
